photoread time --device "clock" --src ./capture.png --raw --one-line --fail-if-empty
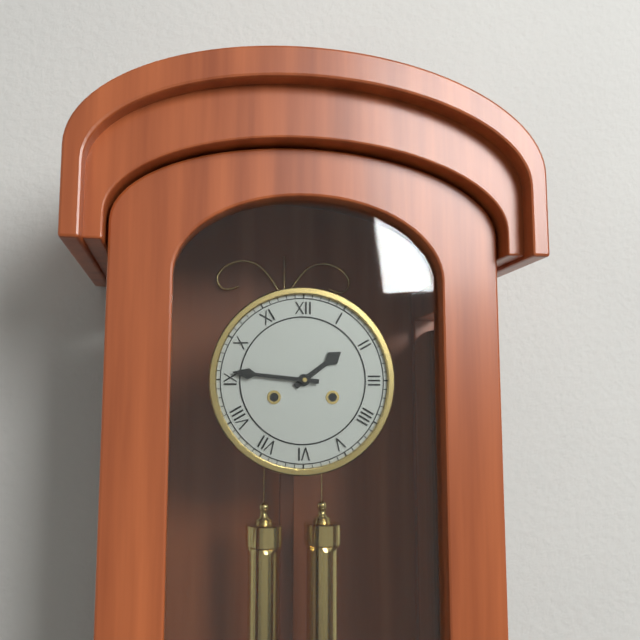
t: 1:46
